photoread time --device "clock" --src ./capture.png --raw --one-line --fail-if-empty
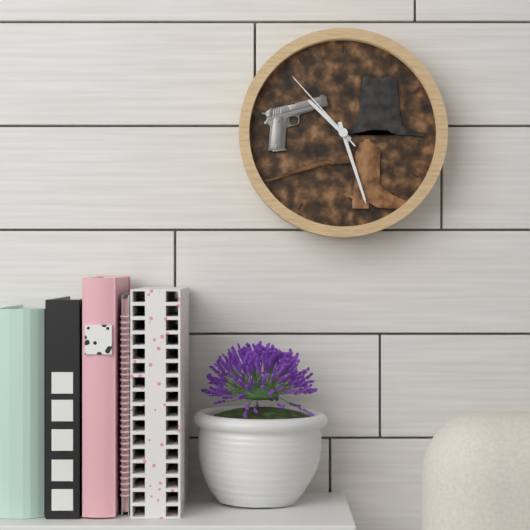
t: 10:27:53
